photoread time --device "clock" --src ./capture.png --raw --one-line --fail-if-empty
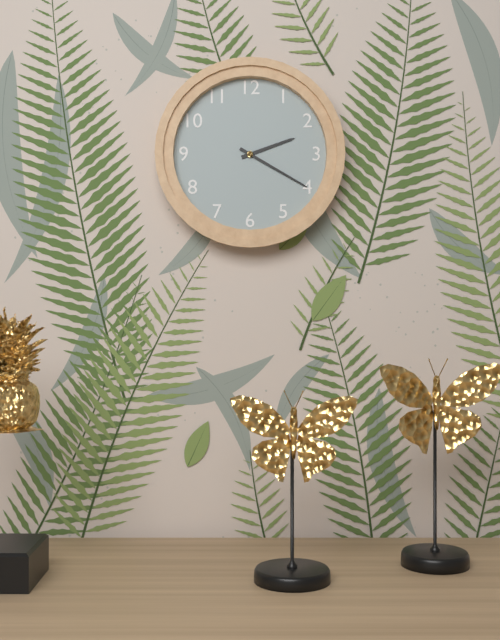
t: 2:20
